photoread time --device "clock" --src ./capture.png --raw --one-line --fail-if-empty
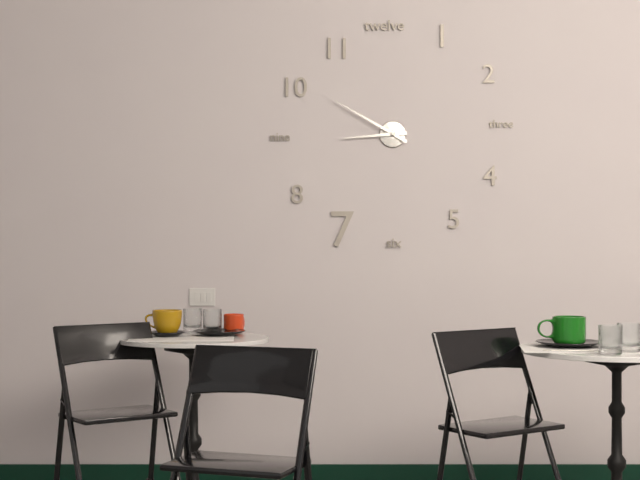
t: 8:50
